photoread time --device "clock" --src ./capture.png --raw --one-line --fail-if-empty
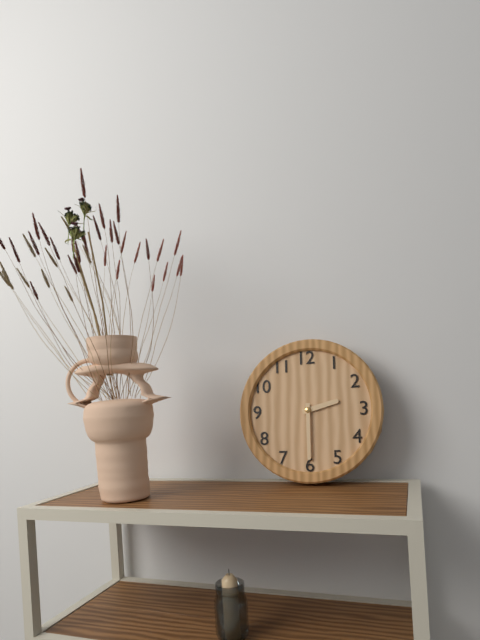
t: 2:30
